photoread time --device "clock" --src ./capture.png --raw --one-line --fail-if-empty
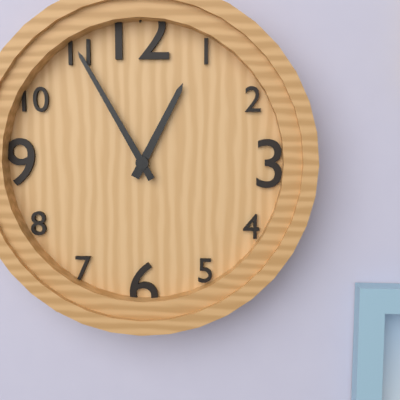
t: 12:55
